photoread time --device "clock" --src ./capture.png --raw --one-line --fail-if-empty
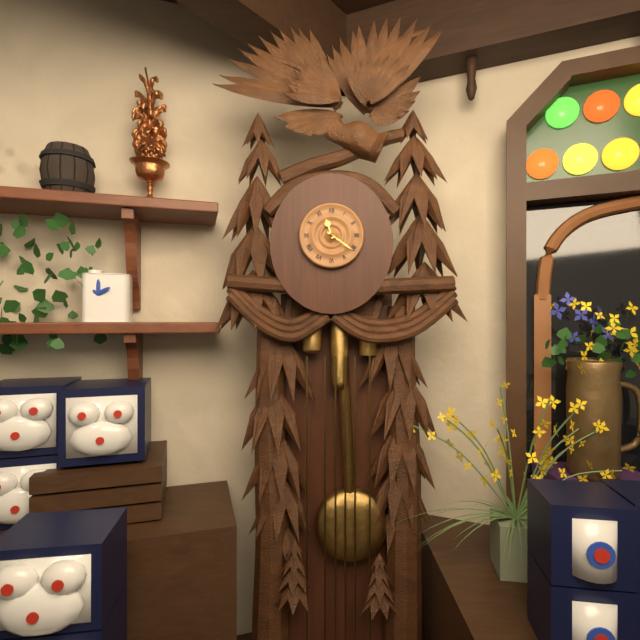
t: 11:21
